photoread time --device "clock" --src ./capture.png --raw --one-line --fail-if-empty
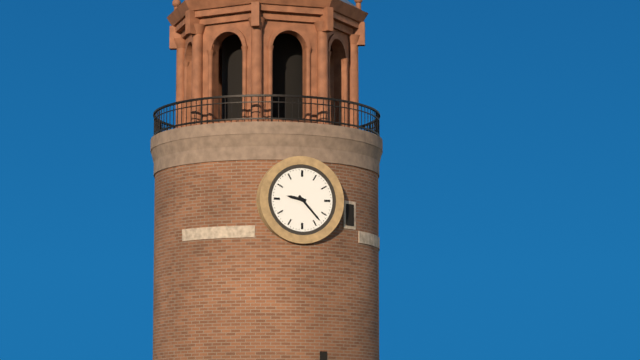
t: 9:23
